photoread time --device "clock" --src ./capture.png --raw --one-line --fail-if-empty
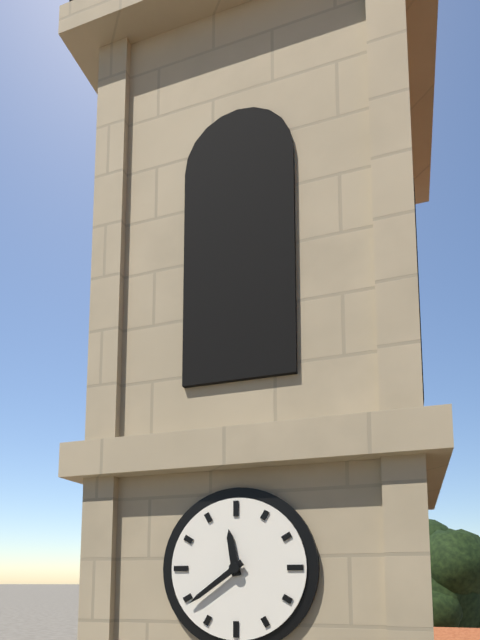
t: 11:39
